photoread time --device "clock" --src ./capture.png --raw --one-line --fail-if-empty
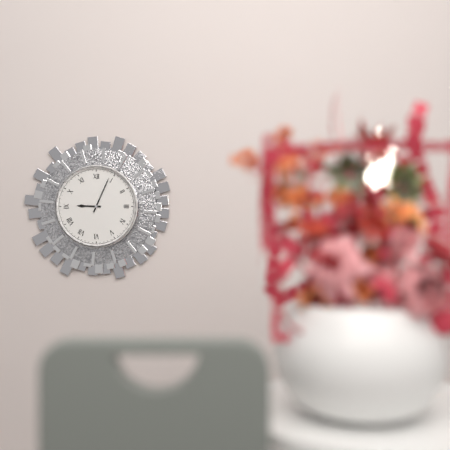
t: 9:04
